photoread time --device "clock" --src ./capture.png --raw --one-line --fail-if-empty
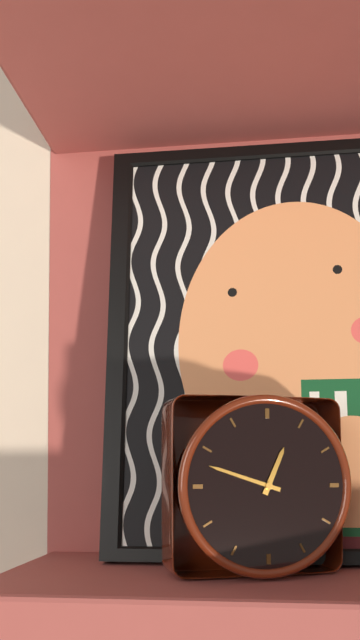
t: 12:48
